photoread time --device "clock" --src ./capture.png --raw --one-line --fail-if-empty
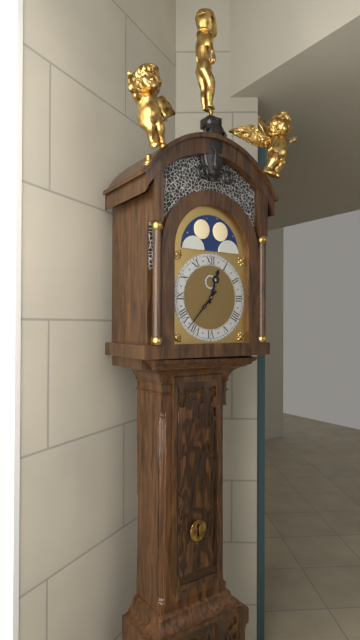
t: 12:37
